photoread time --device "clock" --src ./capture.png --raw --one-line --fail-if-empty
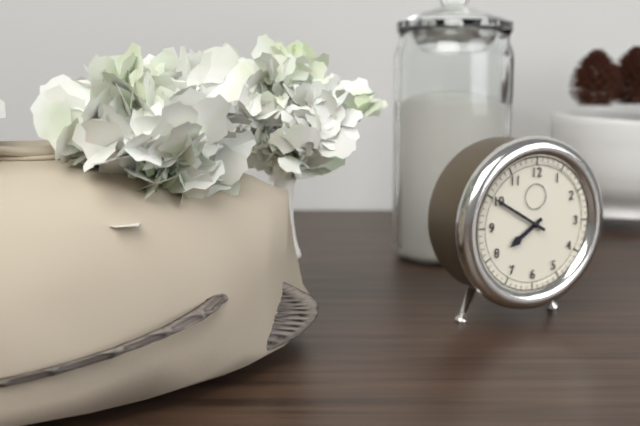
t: 7:50
